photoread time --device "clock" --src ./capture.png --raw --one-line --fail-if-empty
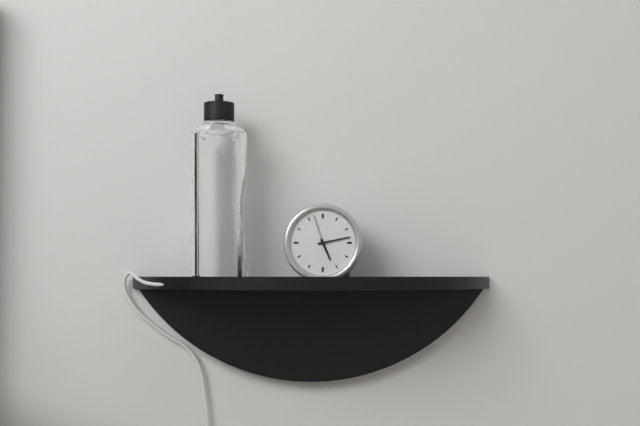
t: 5:13
